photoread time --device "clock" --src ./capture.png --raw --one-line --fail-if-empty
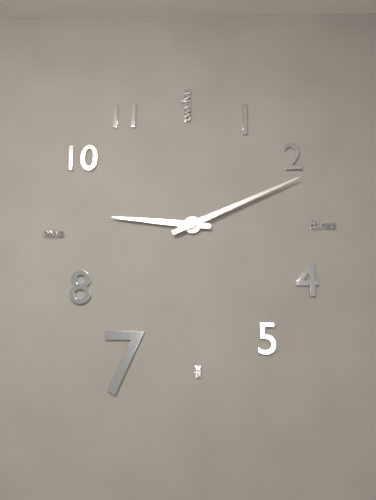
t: 9:11
